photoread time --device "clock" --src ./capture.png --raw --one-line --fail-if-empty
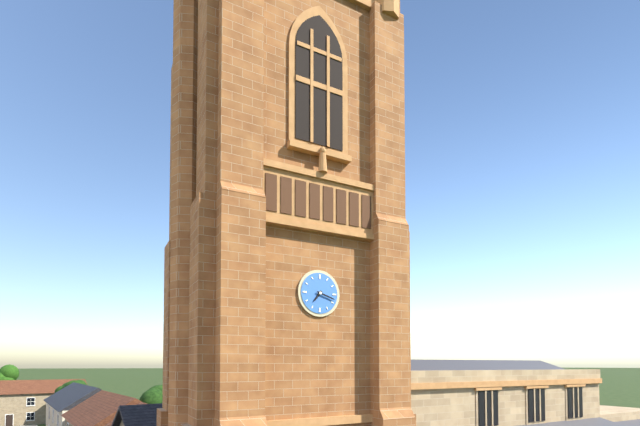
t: 7:18
